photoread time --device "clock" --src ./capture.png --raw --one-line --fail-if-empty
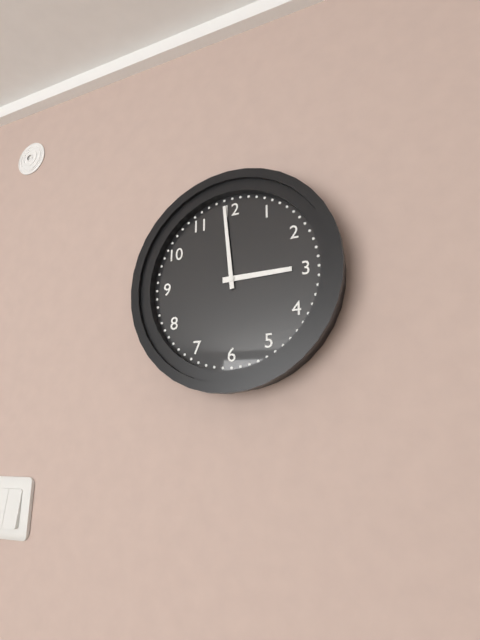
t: 2:59
